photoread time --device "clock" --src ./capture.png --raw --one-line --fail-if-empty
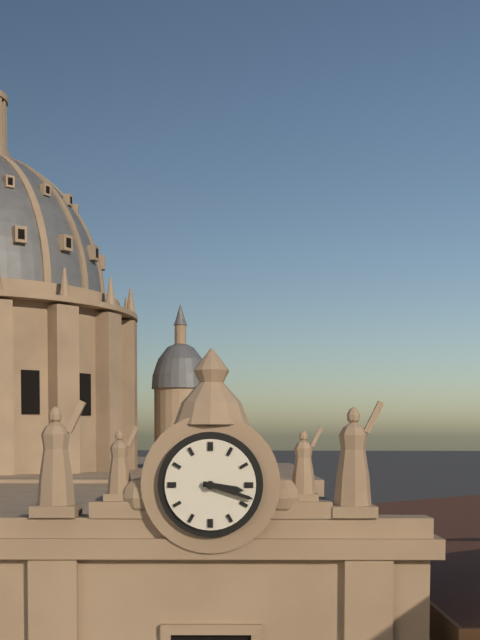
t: 3:18
